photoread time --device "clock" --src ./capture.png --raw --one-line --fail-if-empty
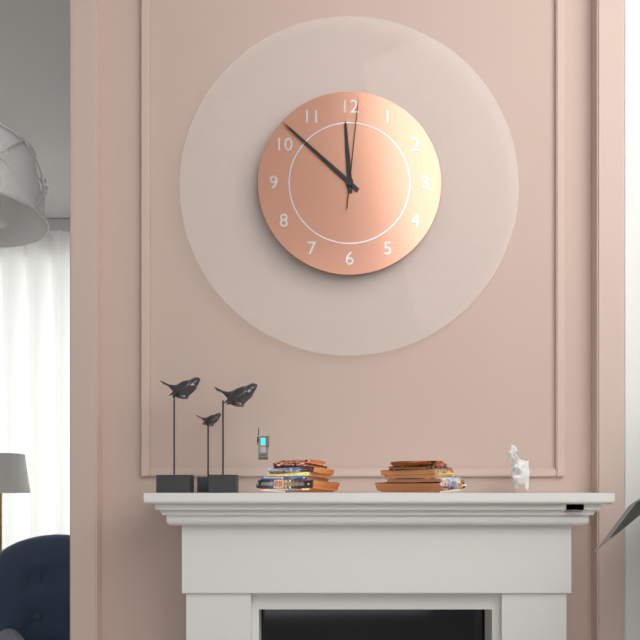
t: 11:52:01
